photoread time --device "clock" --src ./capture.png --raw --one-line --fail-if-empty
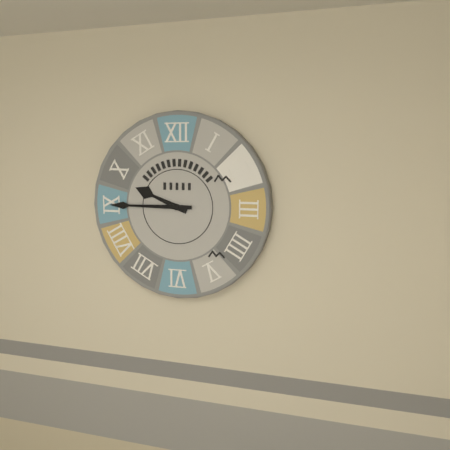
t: 9:45
